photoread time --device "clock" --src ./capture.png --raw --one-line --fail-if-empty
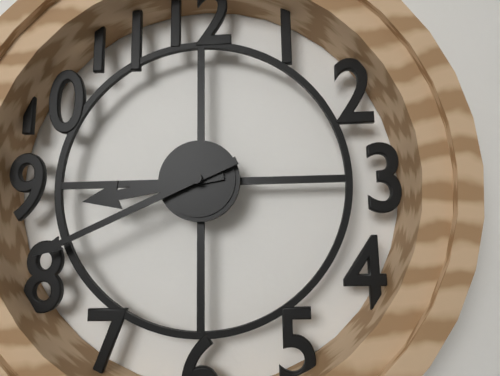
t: 8:41
